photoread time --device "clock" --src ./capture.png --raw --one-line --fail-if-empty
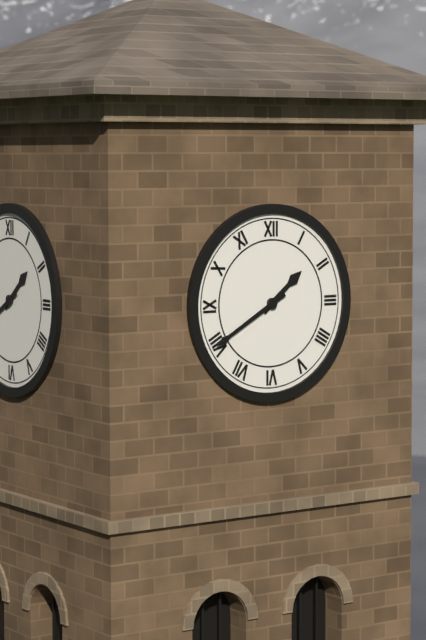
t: 1:40
